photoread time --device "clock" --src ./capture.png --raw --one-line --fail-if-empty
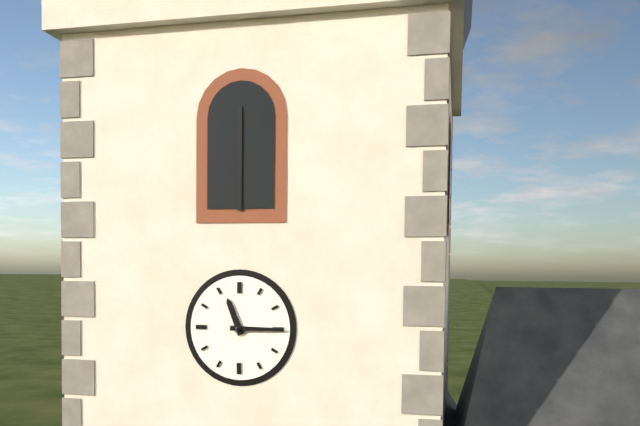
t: 11:15
